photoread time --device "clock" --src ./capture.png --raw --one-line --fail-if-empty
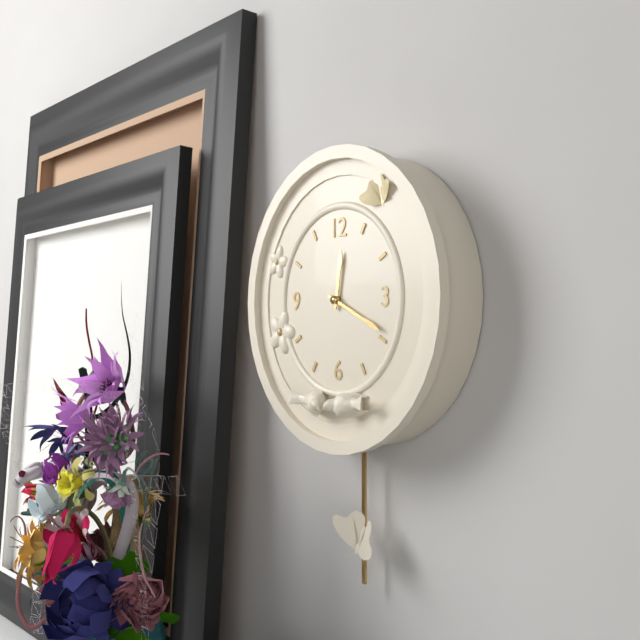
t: 12:19
